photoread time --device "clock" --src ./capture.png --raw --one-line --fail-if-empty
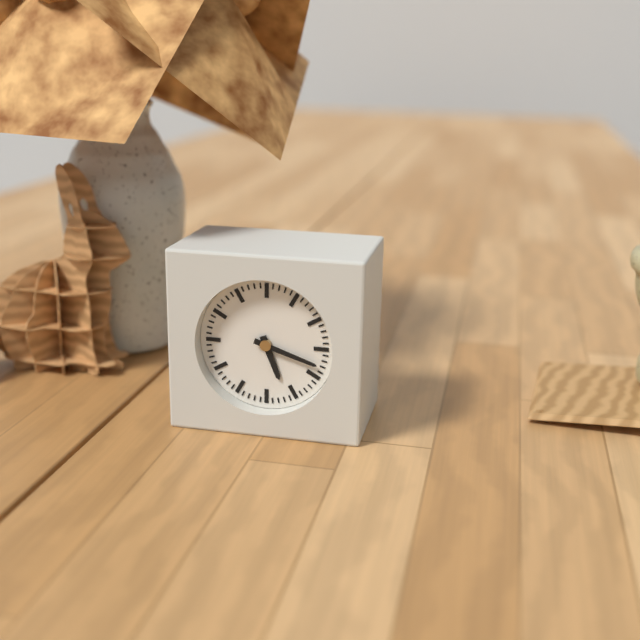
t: 5:18
